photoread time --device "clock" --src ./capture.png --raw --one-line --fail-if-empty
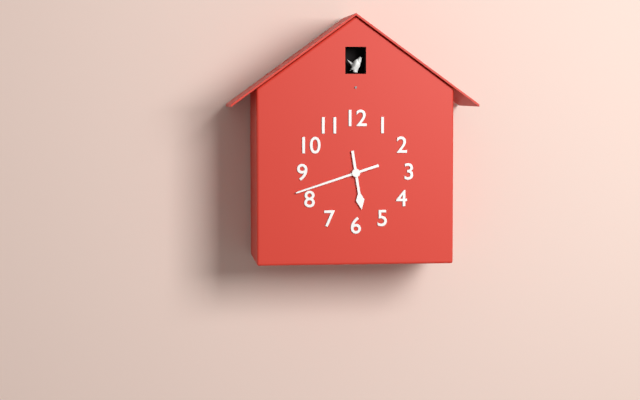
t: 5:42
